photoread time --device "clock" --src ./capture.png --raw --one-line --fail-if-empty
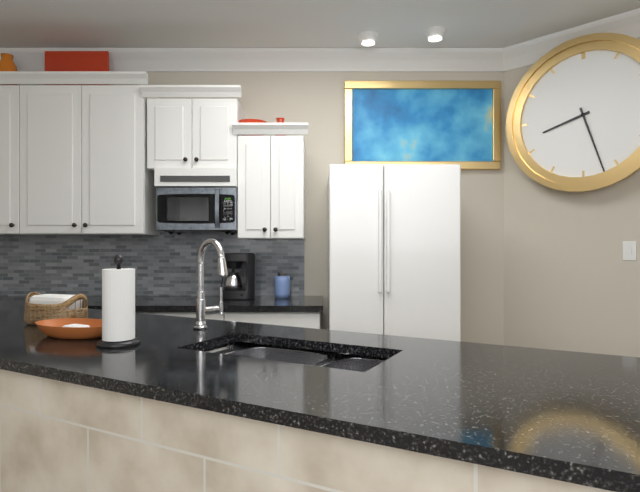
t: 8:27
